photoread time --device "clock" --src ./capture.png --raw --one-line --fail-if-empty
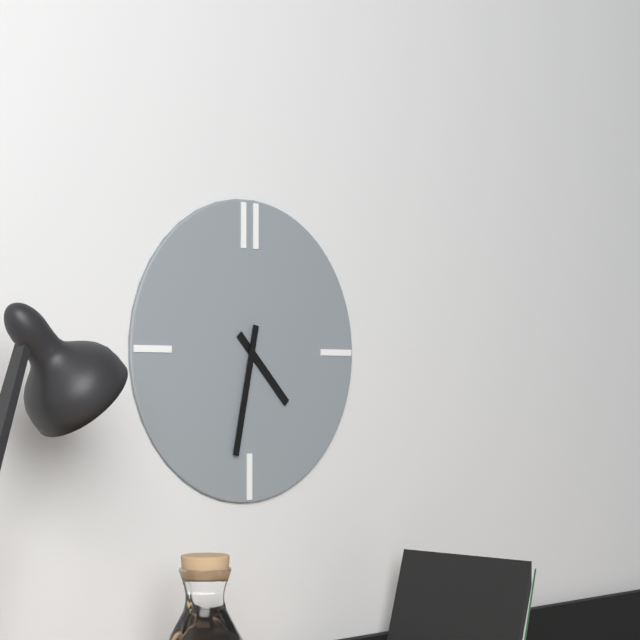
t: 4:32
